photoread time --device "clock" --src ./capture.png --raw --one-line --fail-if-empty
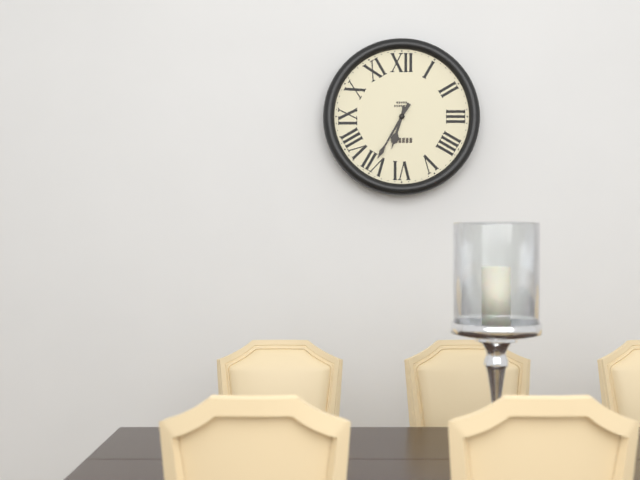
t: 6:35
